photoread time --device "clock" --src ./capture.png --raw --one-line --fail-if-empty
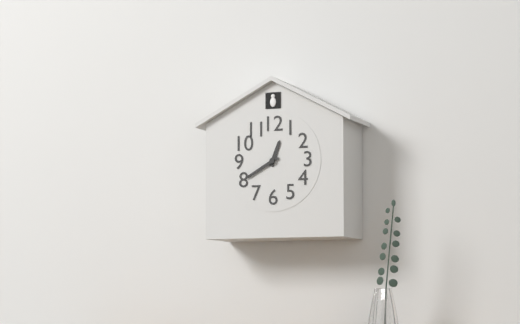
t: 12:40
